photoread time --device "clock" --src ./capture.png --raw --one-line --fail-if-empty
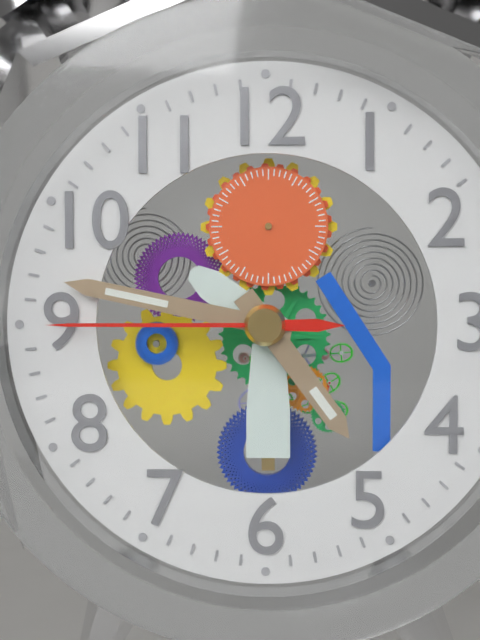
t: 4:47:45
